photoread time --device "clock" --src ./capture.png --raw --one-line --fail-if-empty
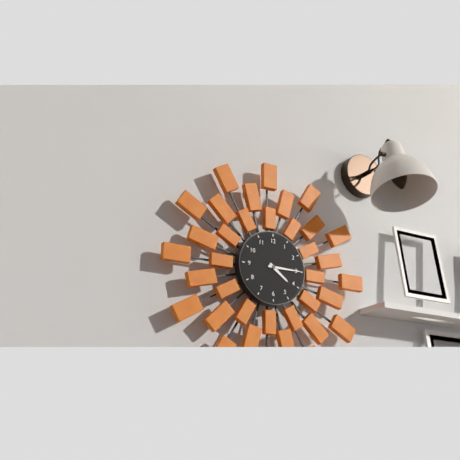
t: 4:15
